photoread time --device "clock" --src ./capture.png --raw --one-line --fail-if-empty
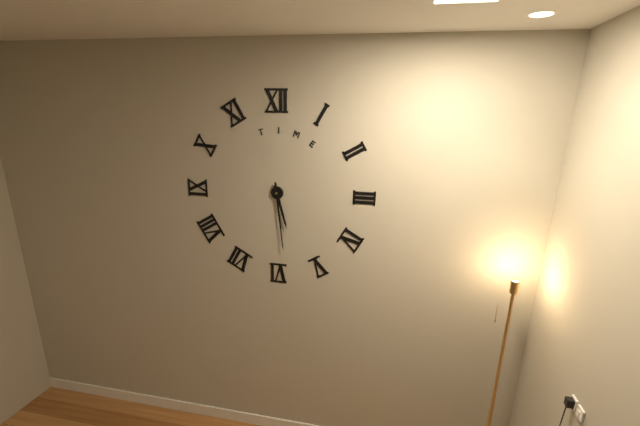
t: 5:29
